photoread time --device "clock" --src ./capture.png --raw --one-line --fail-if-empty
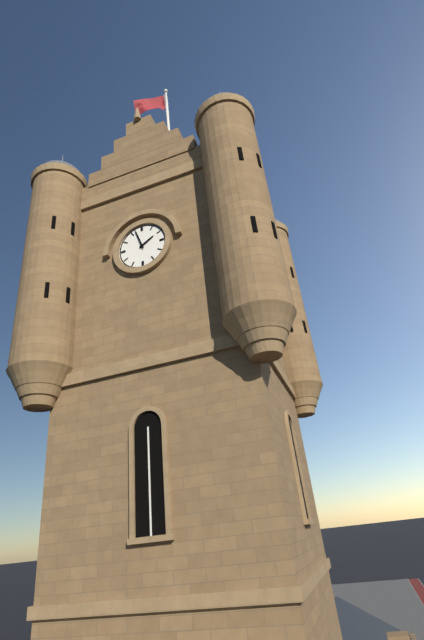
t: 1:57
